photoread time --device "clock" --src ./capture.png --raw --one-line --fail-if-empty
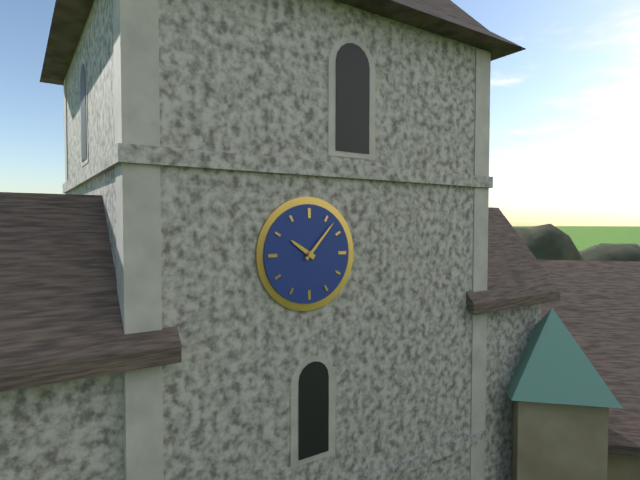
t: 10:07
